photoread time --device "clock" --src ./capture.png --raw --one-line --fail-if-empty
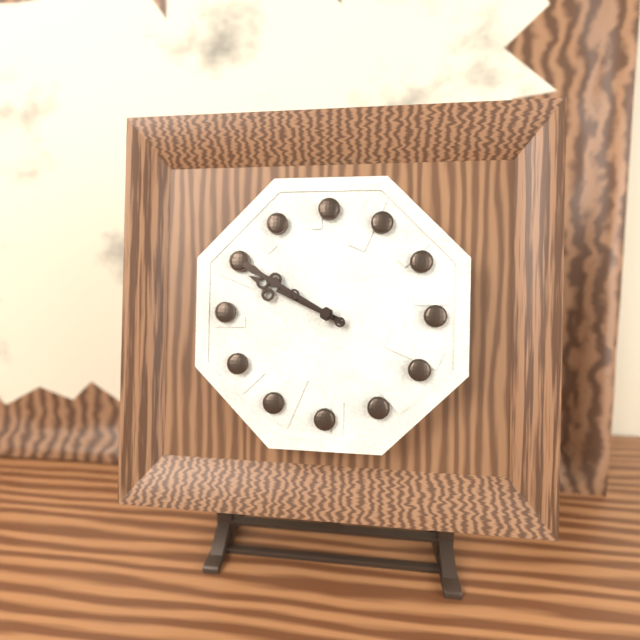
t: 9:50
